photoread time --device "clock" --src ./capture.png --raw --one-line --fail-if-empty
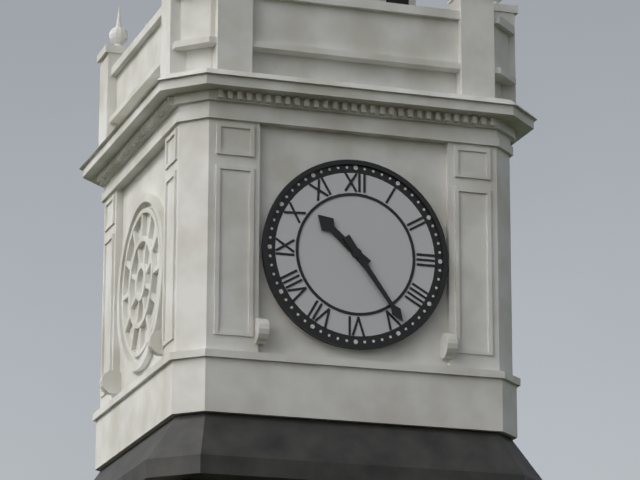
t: 10:24
